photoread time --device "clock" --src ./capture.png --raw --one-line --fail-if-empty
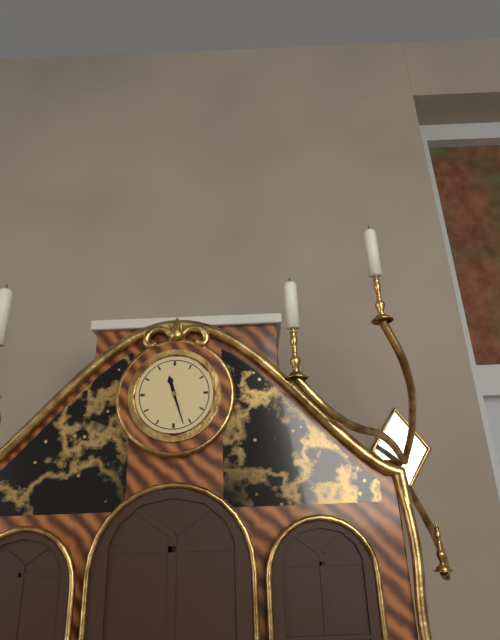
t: 11:27
